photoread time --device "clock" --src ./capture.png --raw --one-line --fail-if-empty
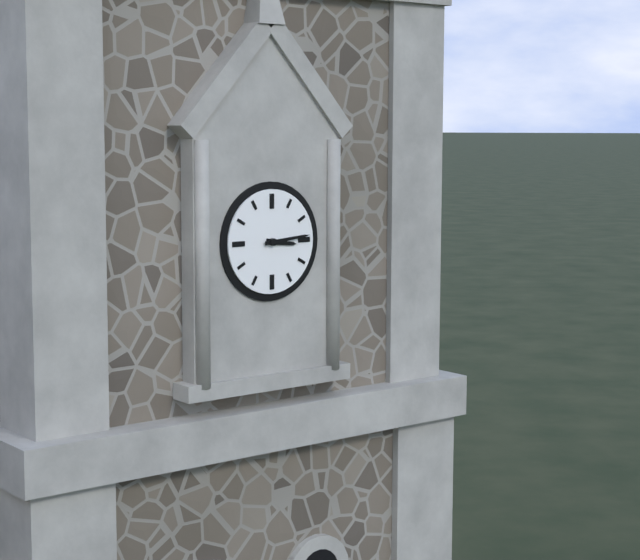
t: 3:14
